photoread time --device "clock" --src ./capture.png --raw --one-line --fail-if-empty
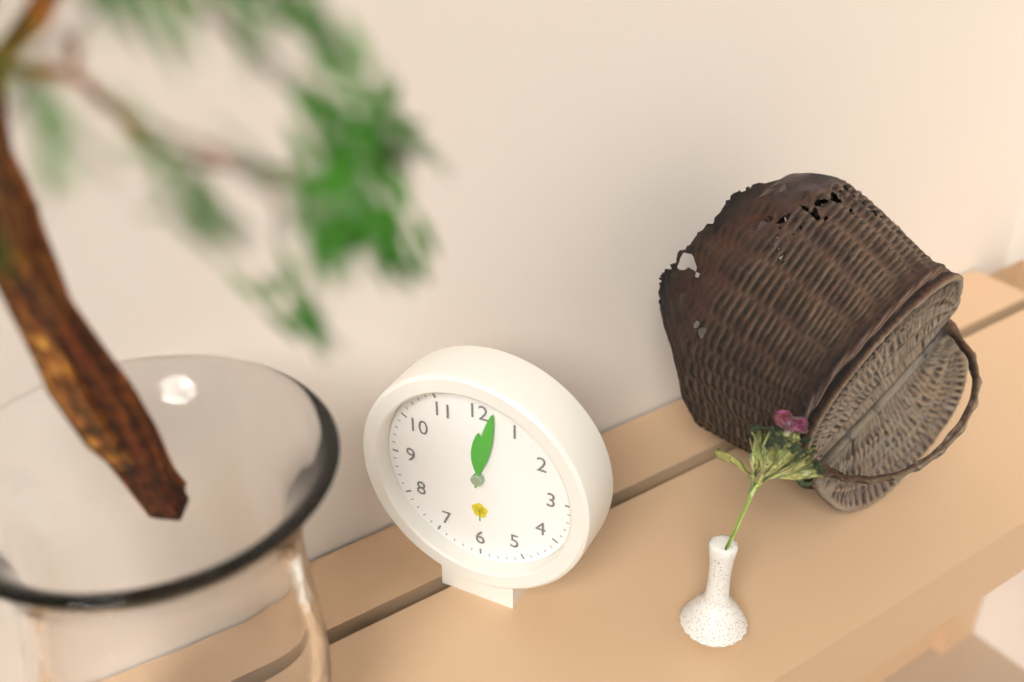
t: 12:02
